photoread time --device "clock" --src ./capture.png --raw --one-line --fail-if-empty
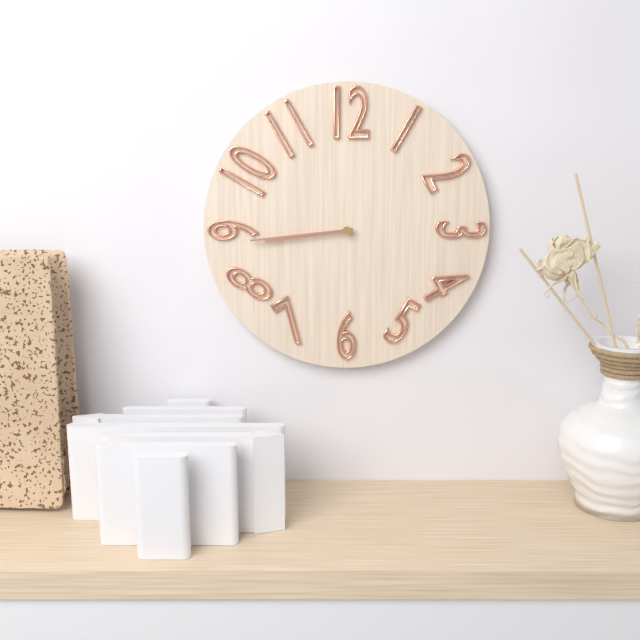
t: 8:44
